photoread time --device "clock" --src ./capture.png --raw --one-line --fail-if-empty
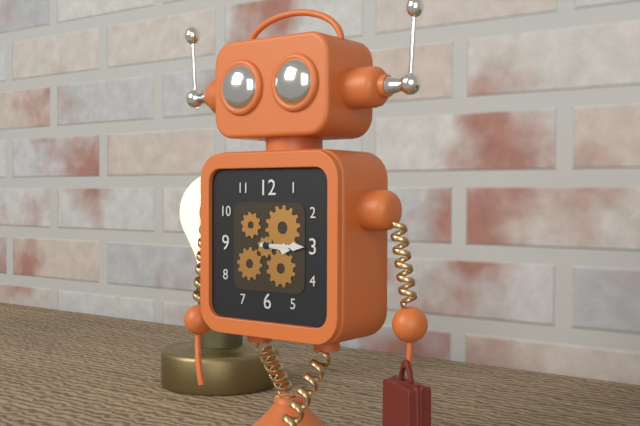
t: 3:15
